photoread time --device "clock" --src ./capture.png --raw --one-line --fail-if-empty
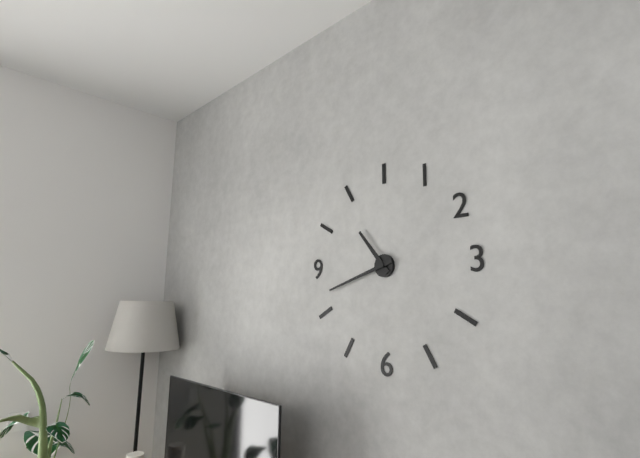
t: 10:42
